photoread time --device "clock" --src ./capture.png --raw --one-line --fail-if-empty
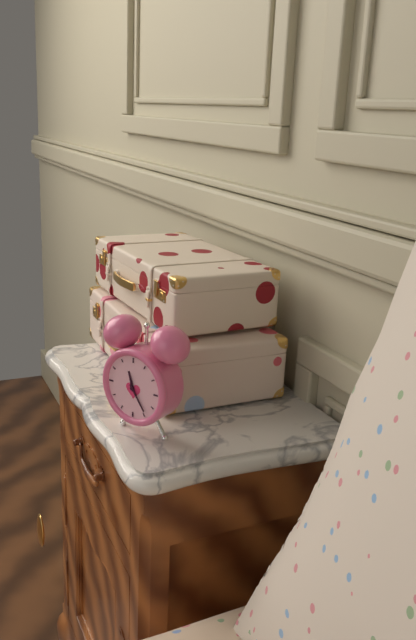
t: 11:24
